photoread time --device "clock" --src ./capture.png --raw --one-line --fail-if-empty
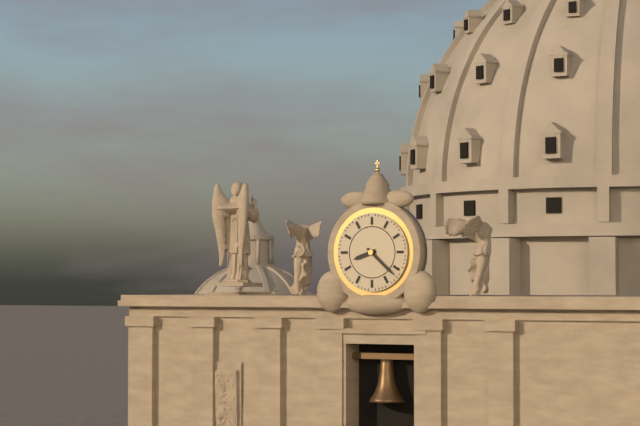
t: 8:22
